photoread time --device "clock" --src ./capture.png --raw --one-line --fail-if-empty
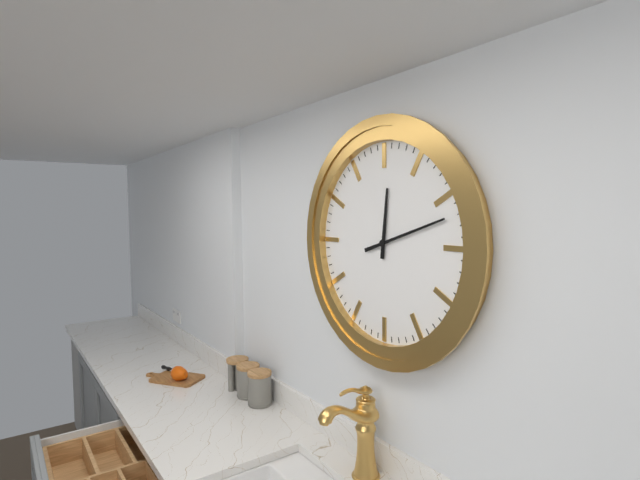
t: 12:12
